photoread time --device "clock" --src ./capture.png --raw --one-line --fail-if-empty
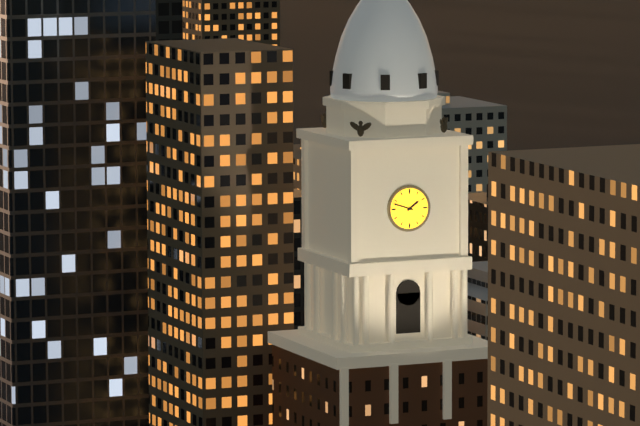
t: 1:48
